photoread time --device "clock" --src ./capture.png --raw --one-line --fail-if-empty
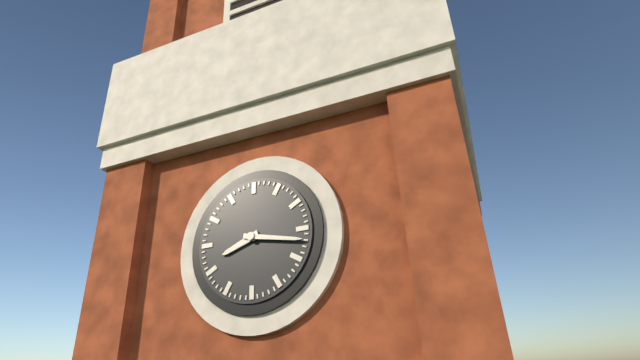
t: 8:17
